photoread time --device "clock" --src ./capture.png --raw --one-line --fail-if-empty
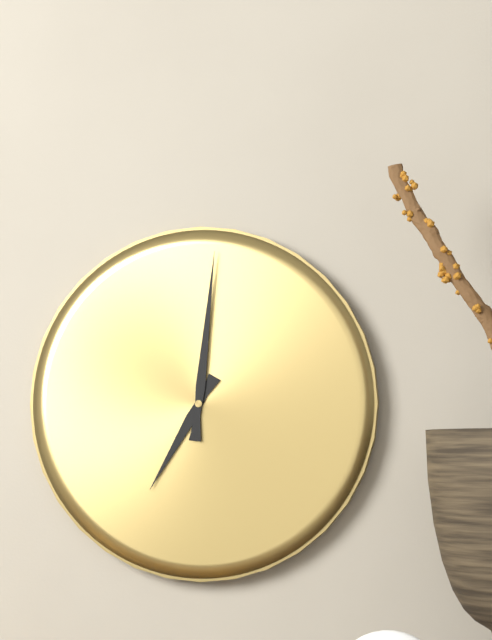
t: 7:01
